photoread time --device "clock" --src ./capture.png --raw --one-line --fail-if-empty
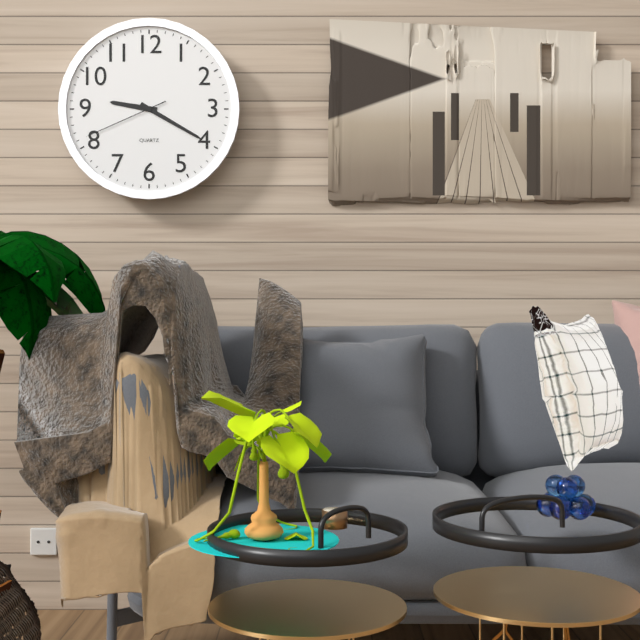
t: 9:20:41
